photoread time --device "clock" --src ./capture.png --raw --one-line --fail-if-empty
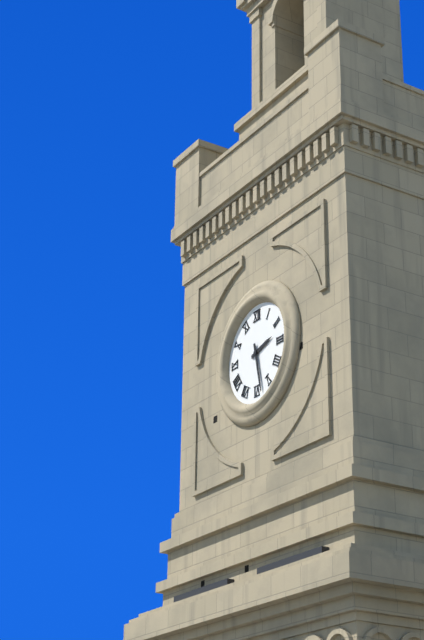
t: 2:28
